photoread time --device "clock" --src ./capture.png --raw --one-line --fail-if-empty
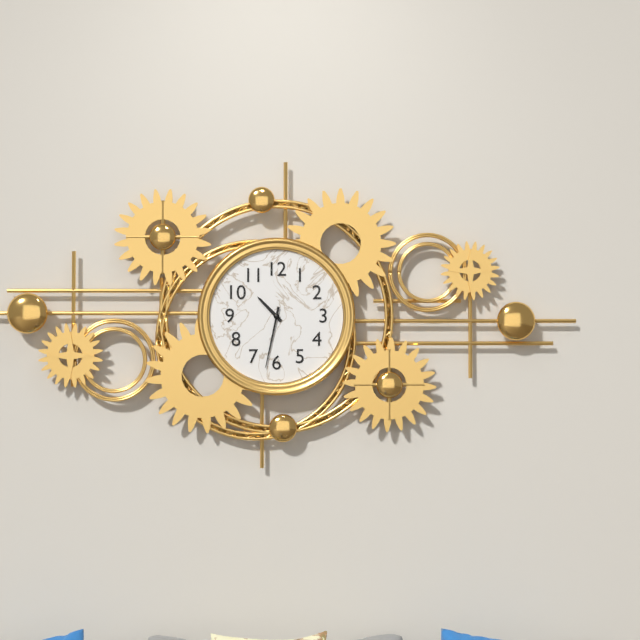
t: 10:32
